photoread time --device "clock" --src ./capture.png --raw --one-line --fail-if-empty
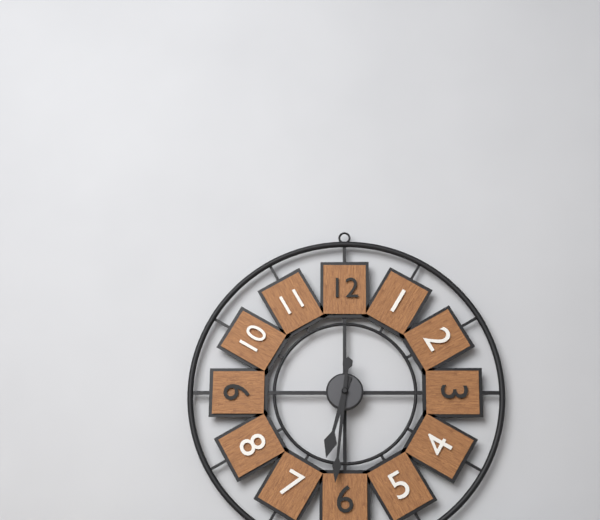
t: 6:31
